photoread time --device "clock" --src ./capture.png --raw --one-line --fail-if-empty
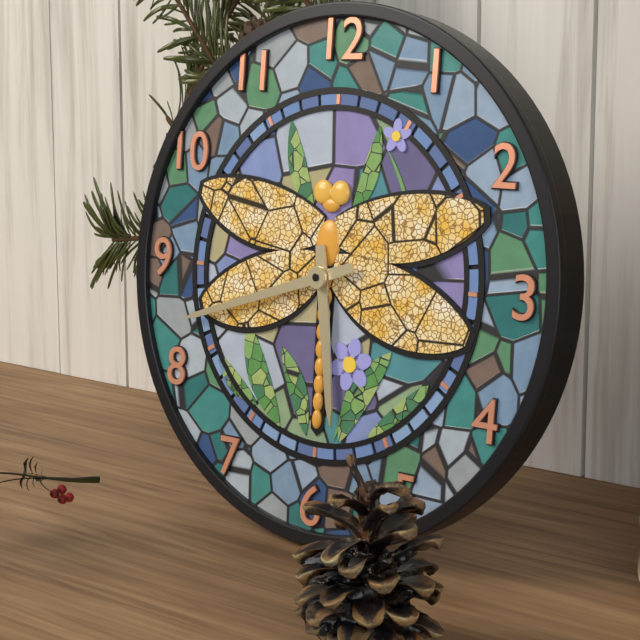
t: 5:42
